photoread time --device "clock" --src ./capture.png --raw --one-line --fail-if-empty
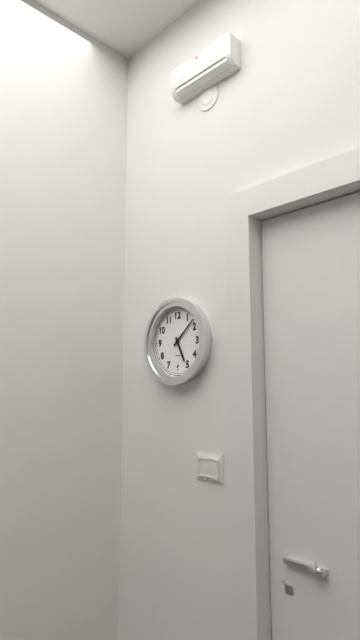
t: 5:08
